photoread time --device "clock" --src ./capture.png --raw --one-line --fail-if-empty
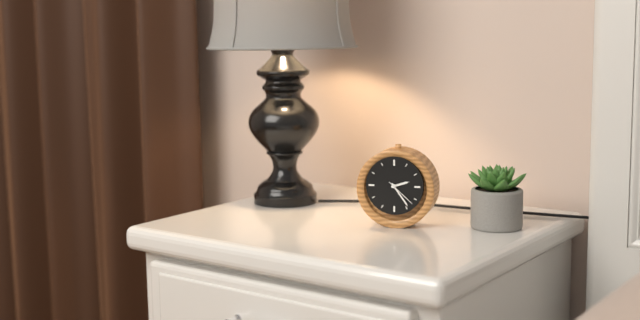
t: 2:24
